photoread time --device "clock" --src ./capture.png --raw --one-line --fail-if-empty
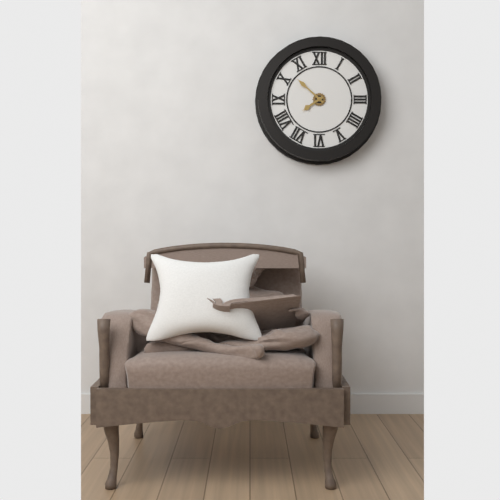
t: 7:52
